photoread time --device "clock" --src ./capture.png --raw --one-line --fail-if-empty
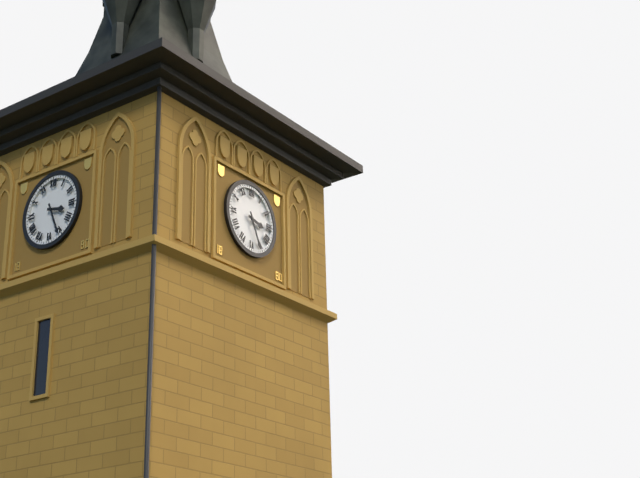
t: 3:26
